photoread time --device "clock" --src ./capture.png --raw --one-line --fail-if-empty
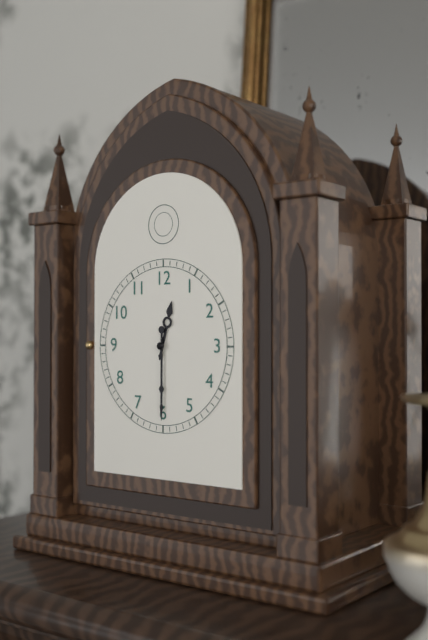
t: 12:30
